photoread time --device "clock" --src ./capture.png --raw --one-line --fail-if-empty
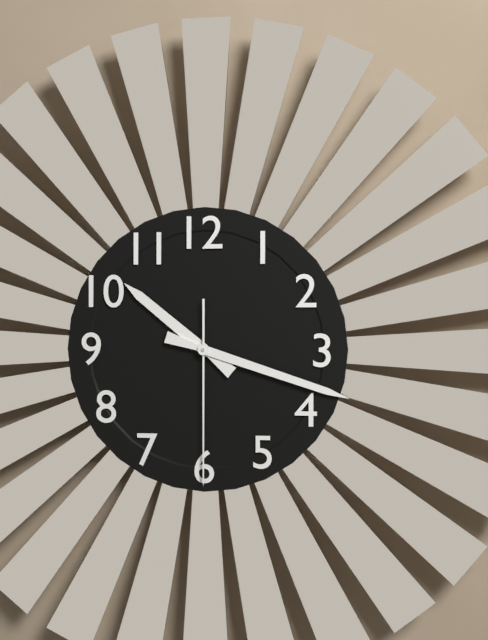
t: 10:18:30
